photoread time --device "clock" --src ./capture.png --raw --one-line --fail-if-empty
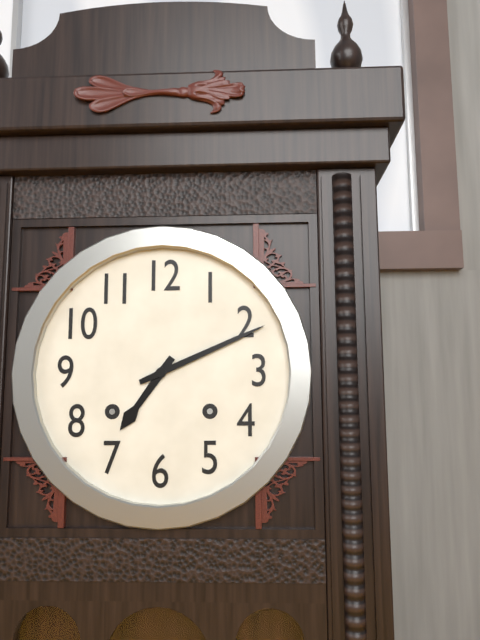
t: 7:11
